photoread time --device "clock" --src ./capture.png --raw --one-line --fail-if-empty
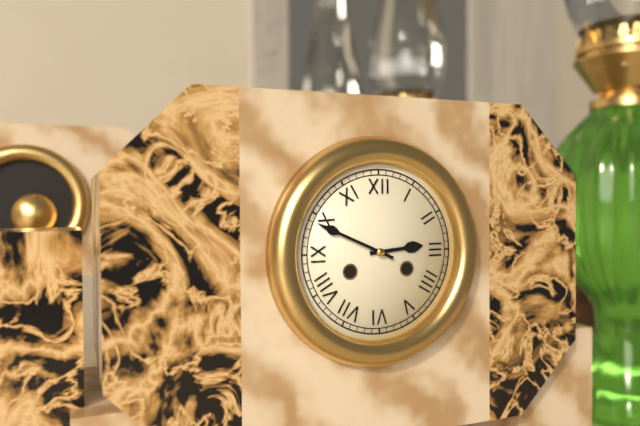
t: 2:49
